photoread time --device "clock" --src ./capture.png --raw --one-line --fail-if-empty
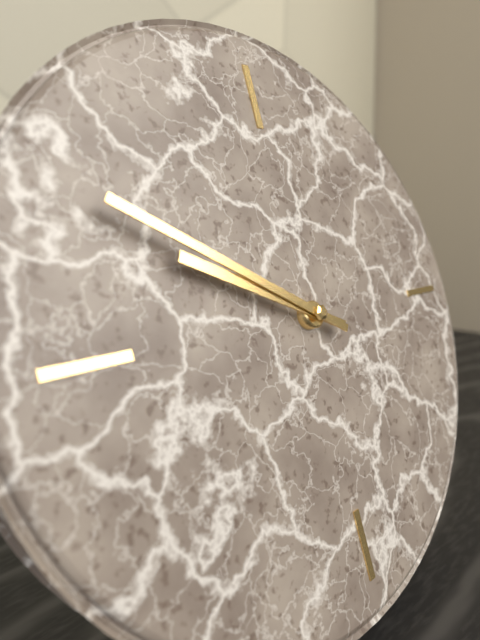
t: 9:50
